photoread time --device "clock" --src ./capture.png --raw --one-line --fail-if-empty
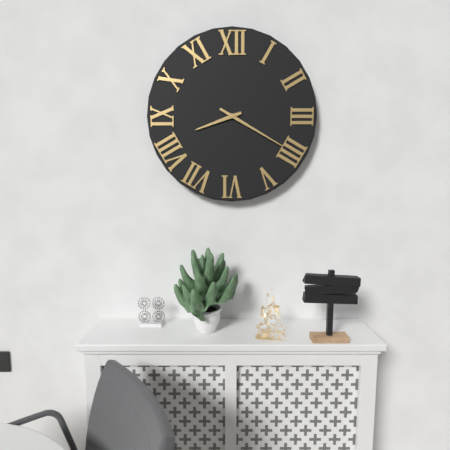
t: 8:20
